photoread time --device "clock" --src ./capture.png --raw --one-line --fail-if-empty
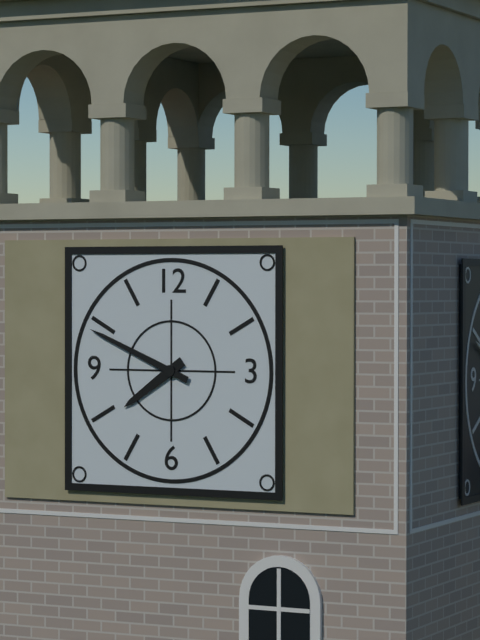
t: 7:49
